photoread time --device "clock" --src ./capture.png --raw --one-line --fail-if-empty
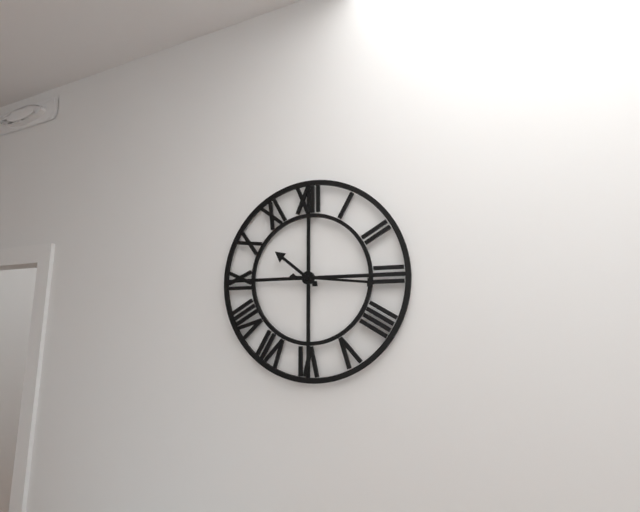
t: 10:16
